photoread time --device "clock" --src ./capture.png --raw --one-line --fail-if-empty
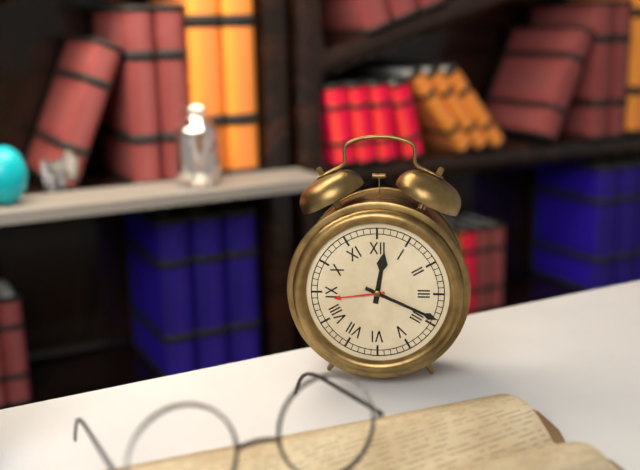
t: 12:19
